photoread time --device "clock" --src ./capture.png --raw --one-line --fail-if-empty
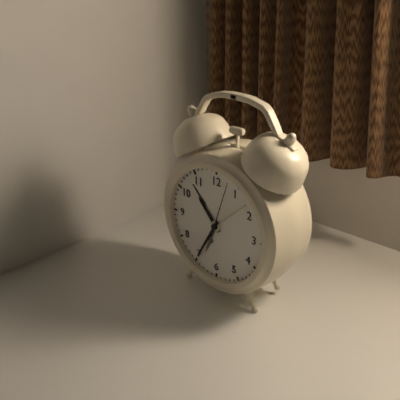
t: 10:35:03
